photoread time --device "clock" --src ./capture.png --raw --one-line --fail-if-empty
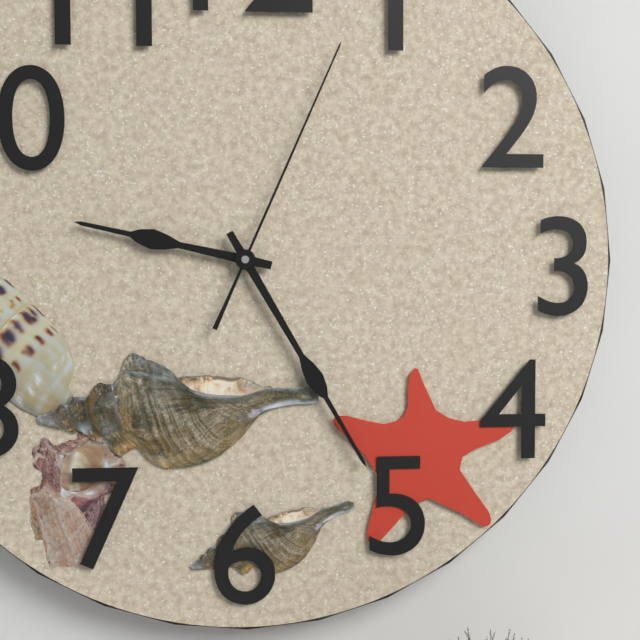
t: 9:25:04
